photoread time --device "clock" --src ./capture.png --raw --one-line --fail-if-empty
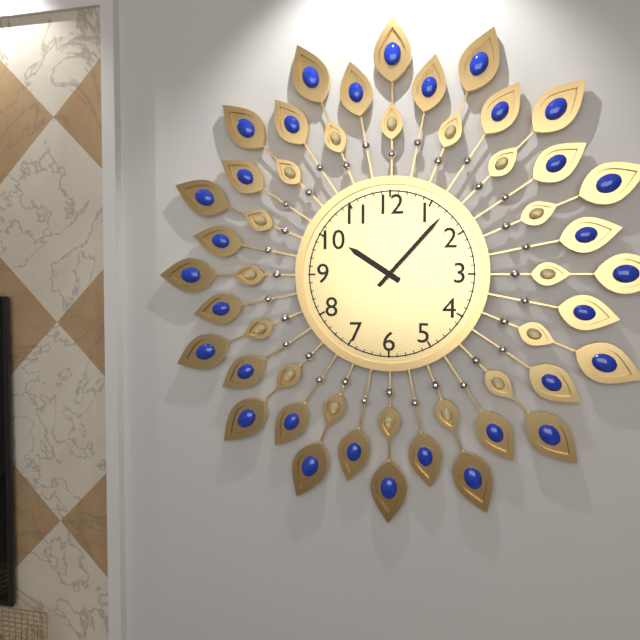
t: 10:07
